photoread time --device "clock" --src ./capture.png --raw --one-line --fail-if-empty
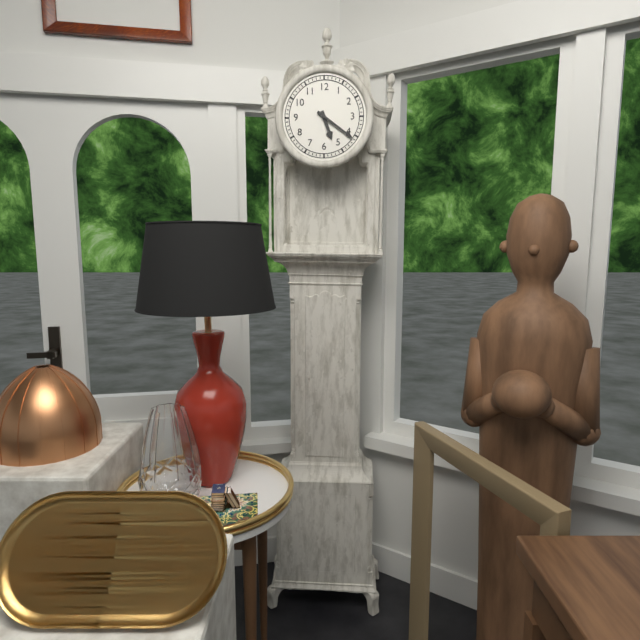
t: 5:21
